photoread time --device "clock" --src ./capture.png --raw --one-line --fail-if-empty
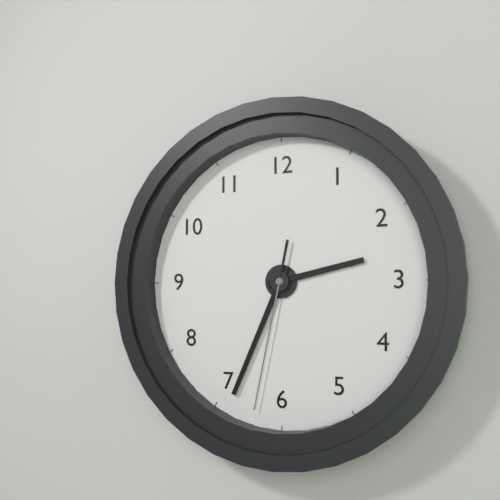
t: 2:34:32
